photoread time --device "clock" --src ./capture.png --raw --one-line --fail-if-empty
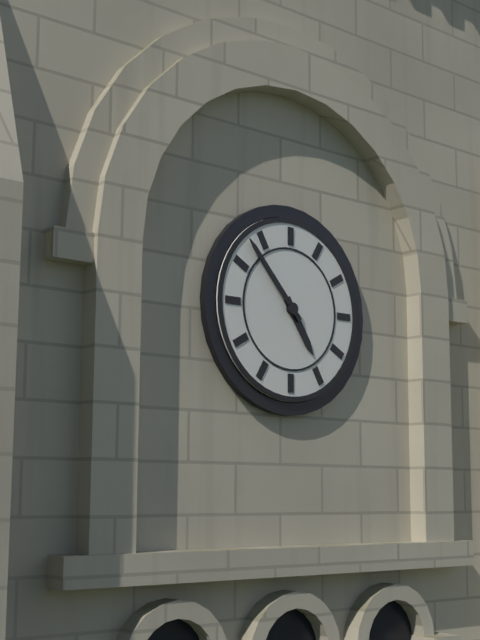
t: 4:53
